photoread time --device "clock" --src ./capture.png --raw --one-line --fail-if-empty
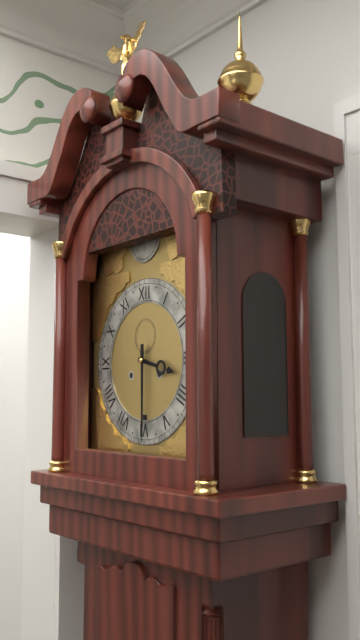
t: 3:30
